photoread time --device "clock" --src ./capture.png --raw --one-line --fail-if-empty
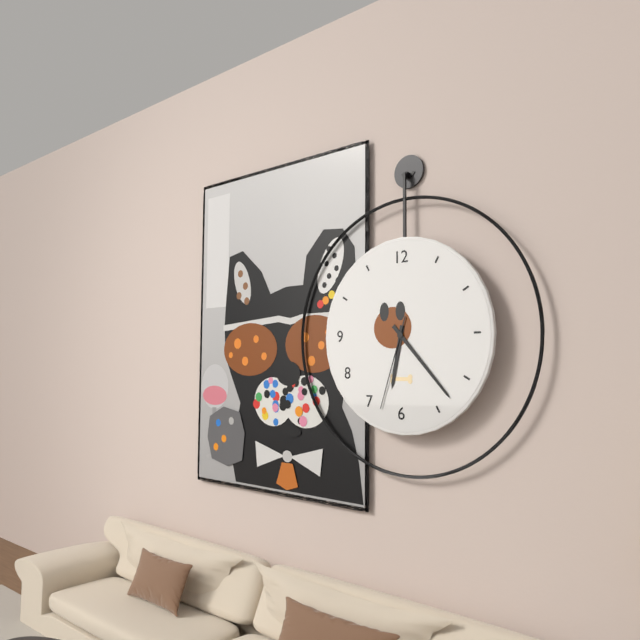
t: 6:23:33
